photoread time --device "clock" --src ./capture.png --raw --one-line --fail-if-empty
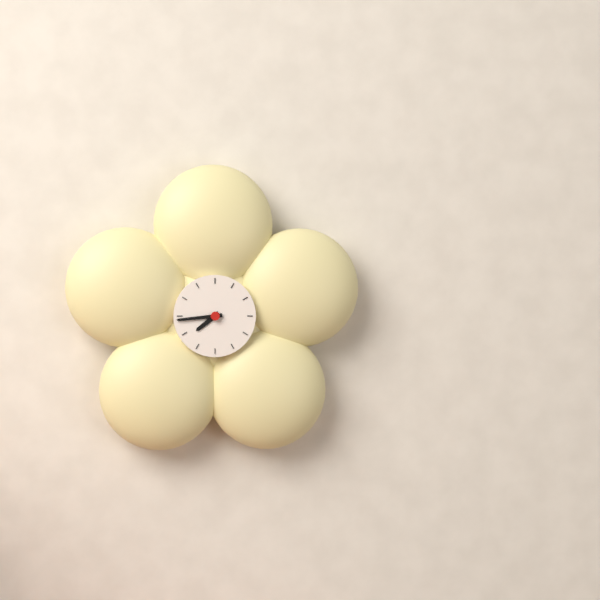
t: 7:44
